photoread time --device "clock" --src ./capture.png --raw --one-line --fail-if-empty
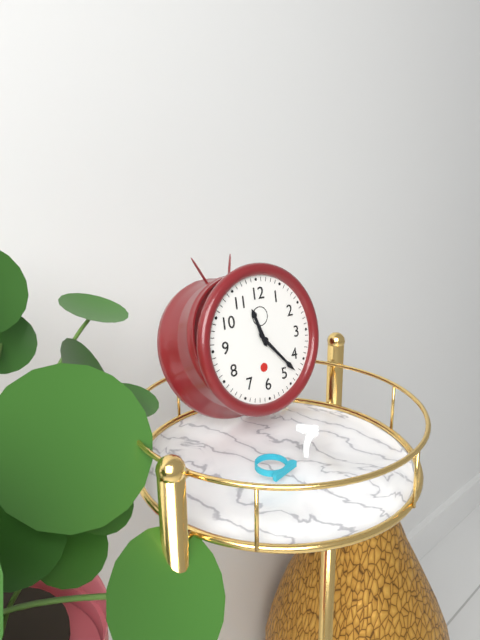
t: 11:23
